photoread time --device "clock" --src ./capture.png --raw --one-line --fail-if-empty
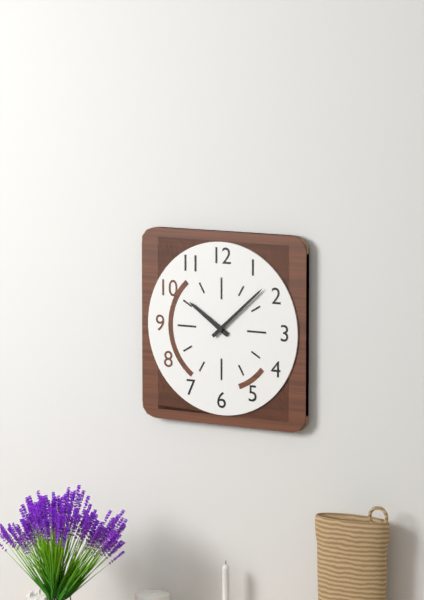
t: 10:08
